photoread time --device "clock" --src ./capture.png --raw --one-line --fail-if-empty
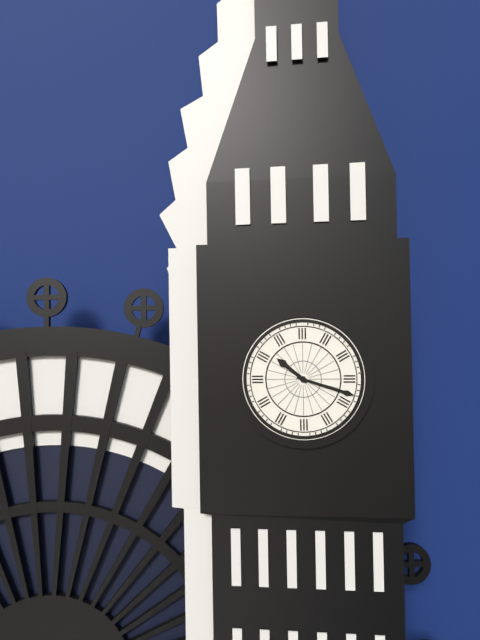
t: 10:18
